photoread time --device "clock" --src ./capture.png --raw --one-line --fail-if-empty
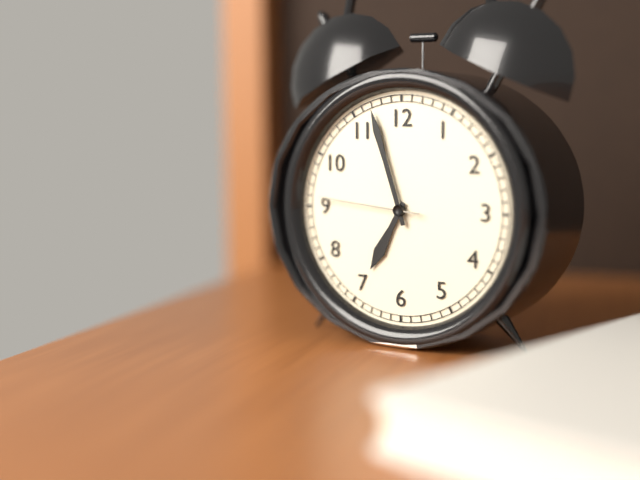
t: 6:57:46
